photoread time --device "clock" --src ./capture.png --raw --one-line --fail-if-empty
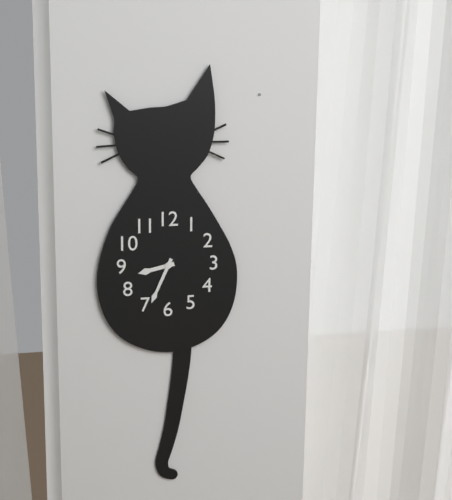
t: 8:34
